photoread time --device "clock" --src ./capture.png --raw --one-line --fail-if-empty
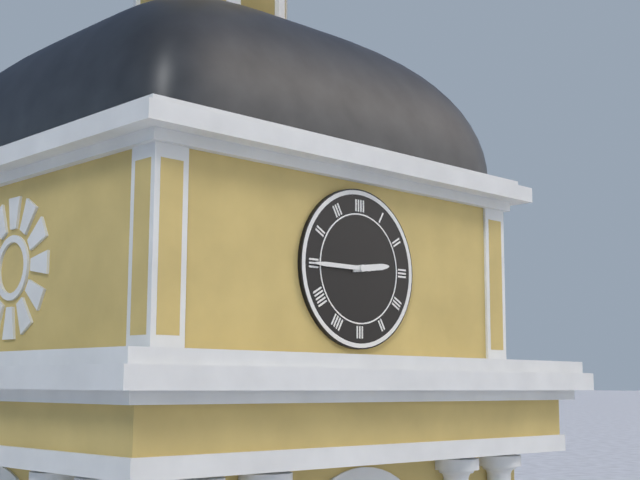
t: 2:45
